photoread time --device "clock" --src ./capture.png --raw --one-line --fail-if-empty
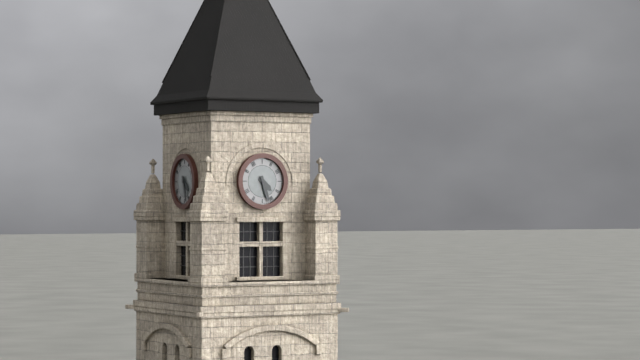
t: 4:27
